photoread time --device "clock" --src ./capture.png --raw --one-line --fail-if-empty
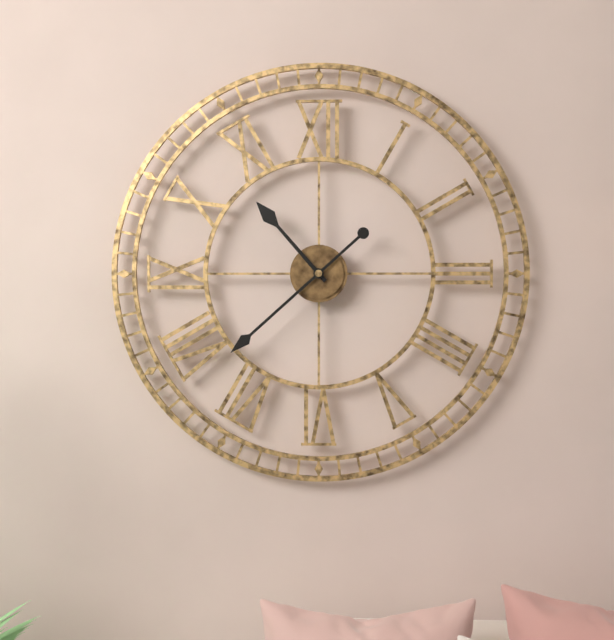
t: 10:38
